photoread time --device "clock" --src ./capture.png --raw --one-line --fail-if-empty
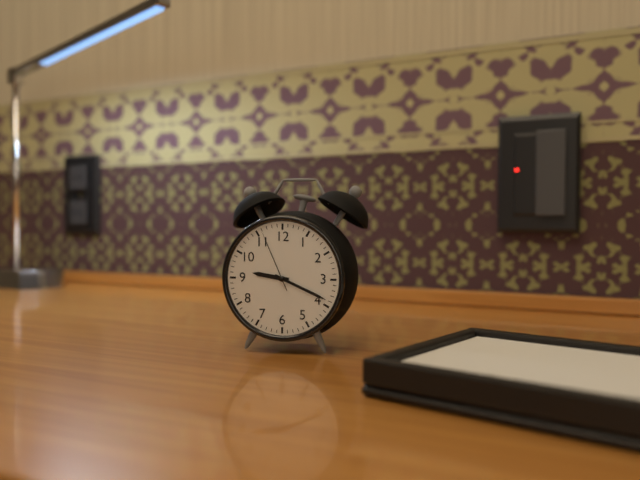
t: 9:19:56
